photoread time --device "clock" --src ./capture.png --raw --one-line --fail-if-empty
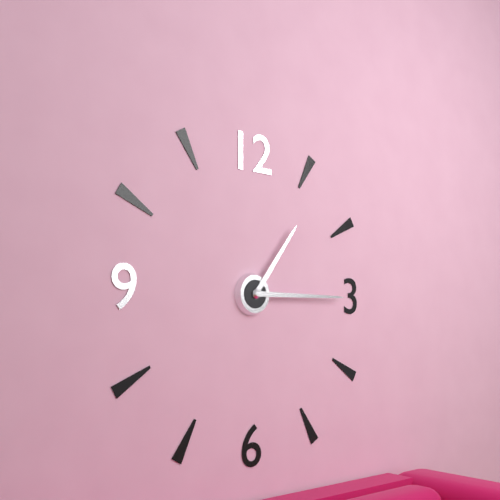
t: 1:15
